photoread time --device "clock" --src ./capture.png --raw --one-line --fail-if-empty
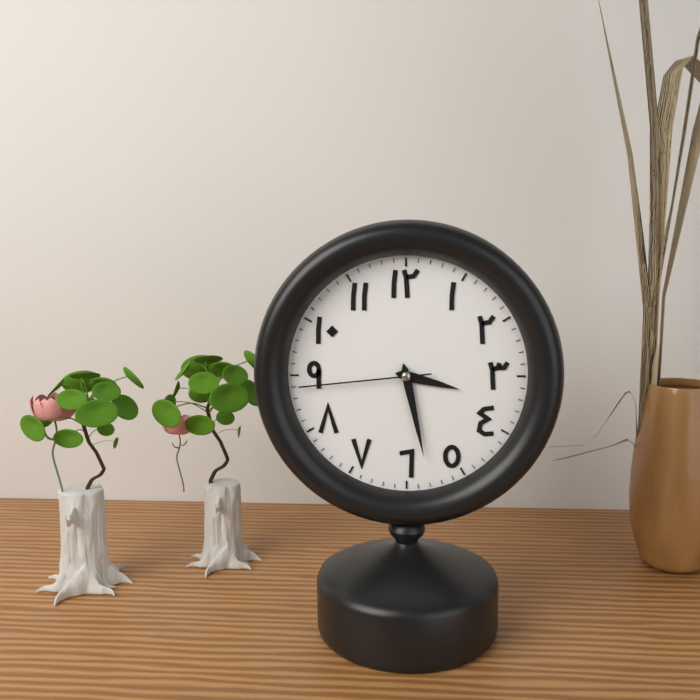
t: 3:28:44
